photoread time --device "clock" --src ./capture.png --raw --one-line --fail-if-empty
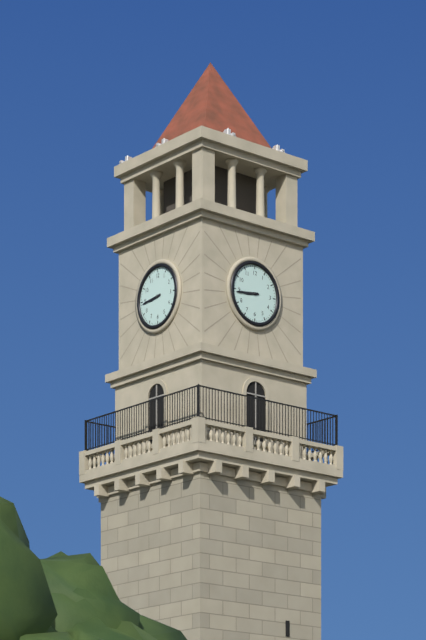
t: 8:44
